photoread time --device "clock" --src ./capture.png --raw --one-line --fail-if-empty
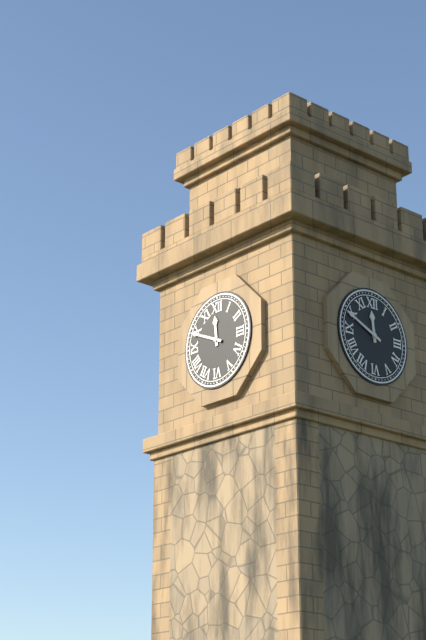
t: 11:49
